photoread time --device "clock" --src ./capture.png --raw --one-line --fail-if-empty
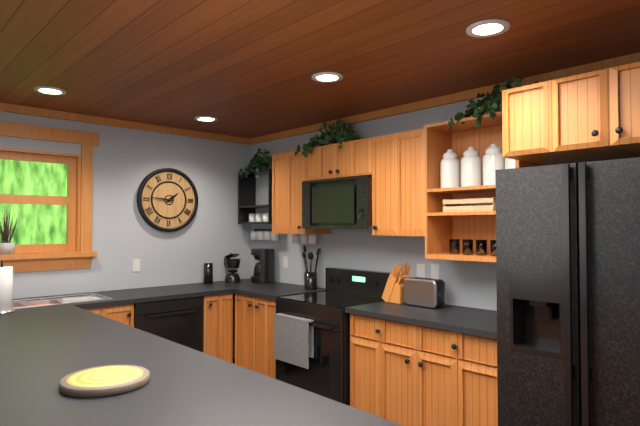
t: 1:46
